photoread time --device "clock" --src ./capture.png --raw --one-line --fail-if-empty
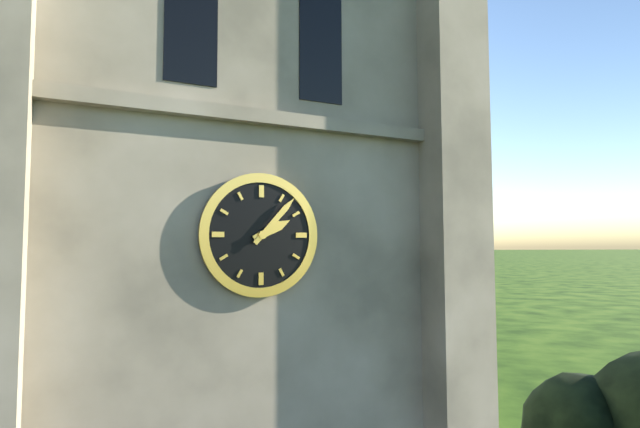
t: 2:07
